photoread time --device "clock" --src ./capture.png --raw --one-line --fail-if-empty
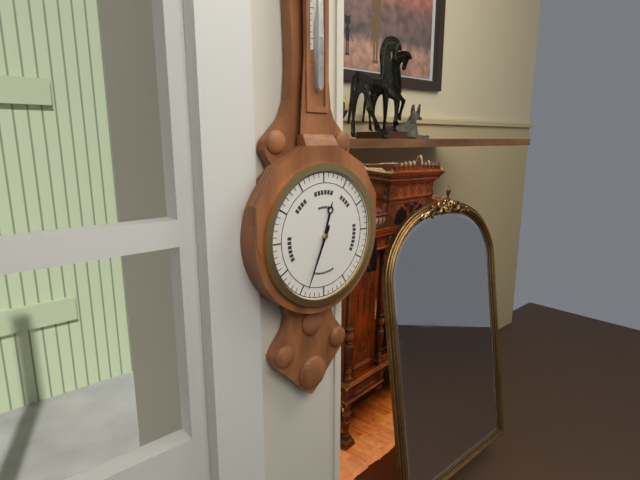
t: 12:34
